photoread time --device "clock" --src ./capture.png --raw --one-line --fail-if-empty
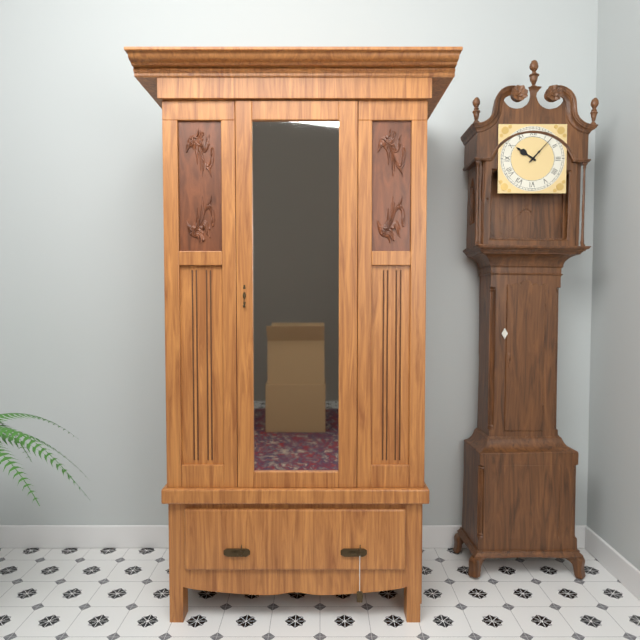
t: 10:07
